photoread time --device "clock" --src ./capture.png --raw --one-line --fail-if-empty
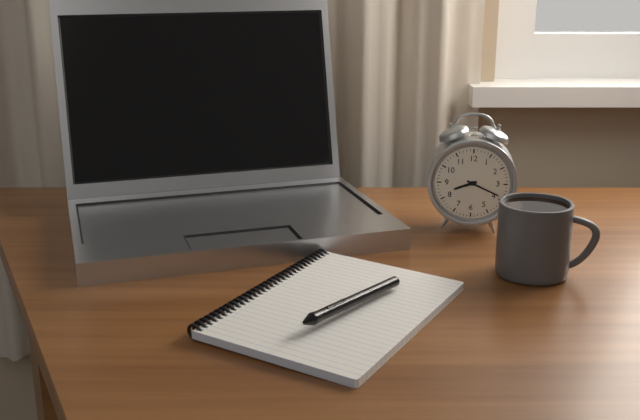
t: 8:19
